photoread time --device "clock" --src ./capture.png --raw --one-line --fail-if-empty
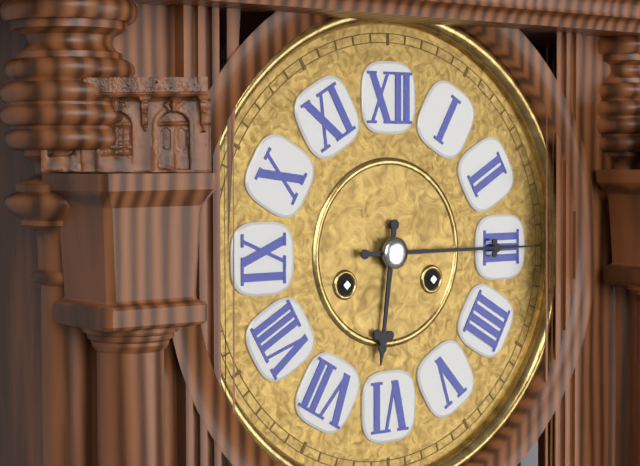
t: 6:15
